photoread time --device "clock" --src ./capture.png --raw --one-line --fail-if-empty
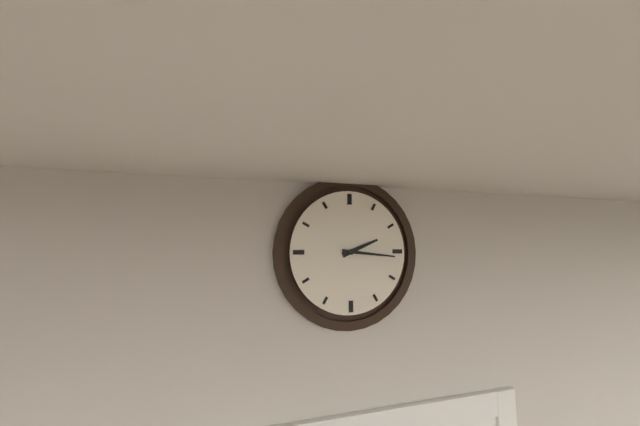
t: 2:16
